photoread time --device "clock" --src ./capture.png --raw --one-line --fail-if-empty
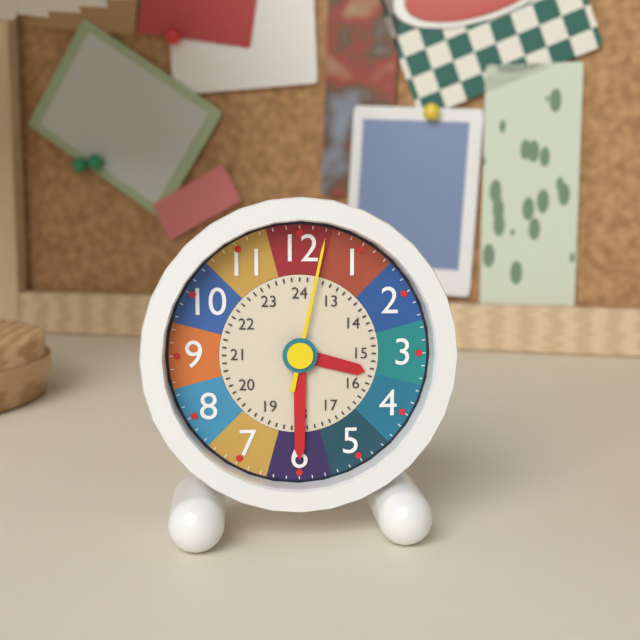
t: 3:30:02
